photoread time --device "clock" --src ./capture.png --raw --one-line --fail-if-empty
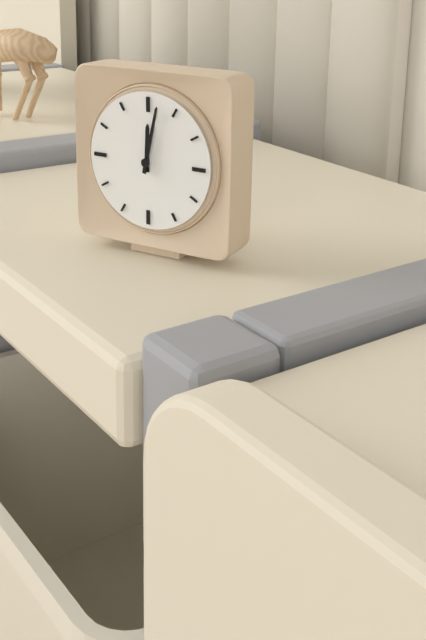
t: 12:02
